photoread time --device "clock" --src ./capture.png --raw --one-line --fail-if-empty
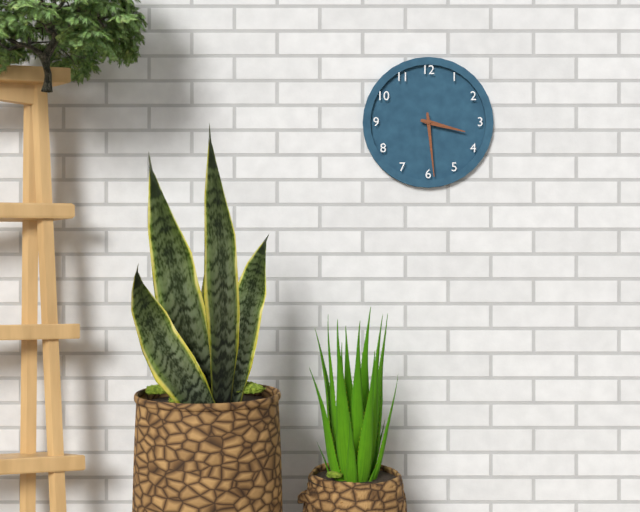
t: 3:29
